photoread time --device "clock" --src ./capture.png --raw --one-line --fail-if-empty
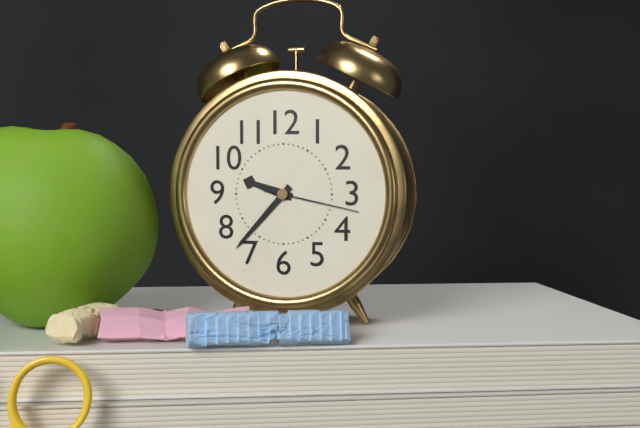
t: 9:37:17
